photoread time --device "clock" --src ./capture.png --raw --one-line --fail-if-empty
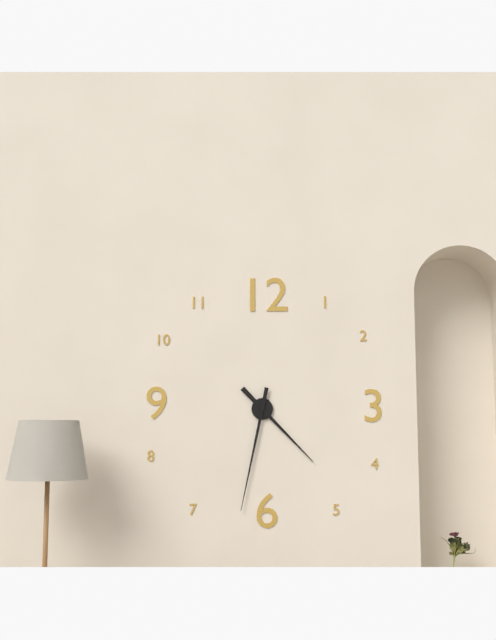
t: 4:32
